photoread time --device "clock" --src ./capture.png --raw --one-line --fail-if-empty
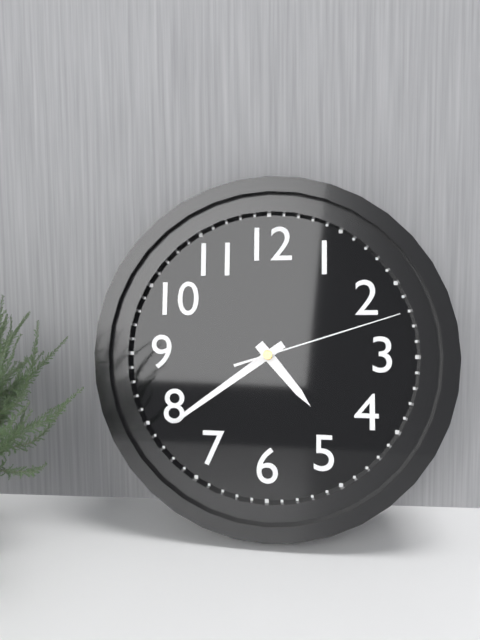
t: 4:39:12
